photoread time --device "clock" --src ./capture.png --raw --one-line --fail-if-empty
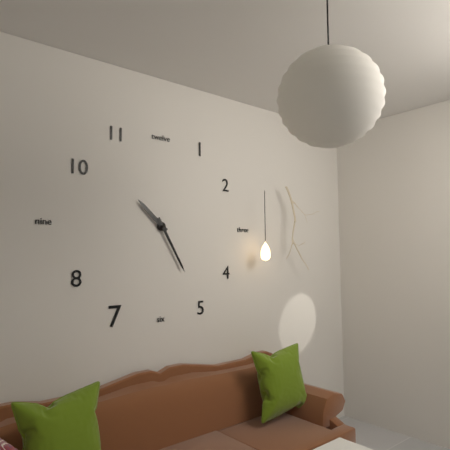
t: 10:25
